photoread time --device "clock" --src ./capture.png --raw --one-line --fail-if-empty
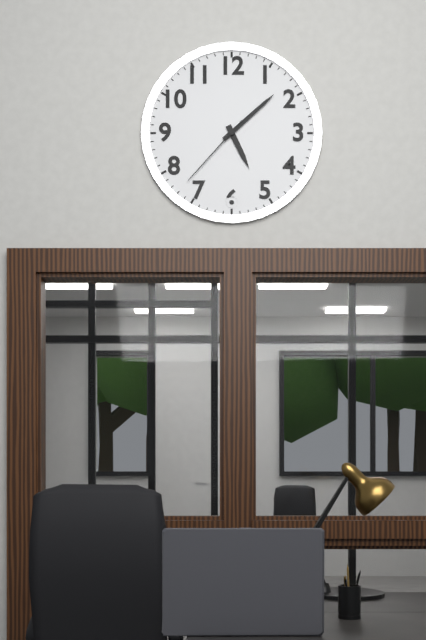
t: 5:08:37
